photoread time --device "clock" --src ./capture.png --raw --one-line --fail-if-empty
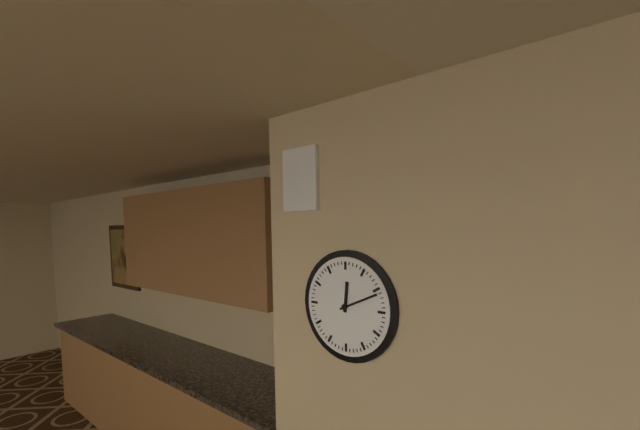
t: 12:11
